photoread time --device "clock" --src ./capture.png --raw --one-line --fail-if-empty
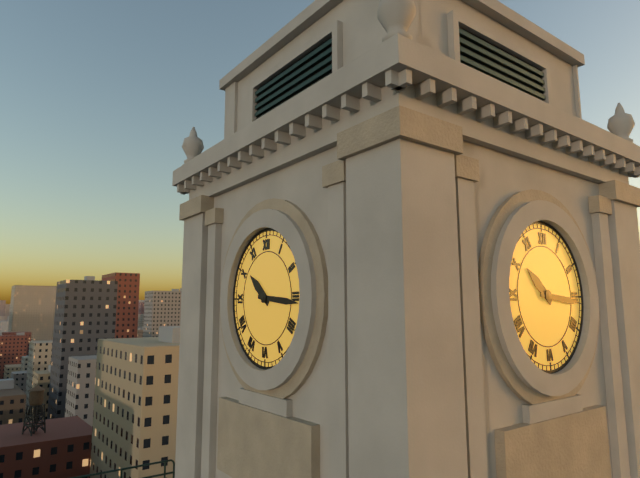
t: 10:16
